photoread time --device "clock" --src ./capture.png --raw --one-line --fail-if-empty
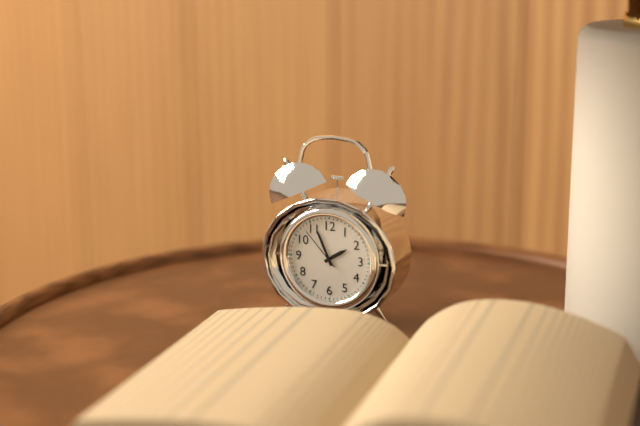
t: 1:56
